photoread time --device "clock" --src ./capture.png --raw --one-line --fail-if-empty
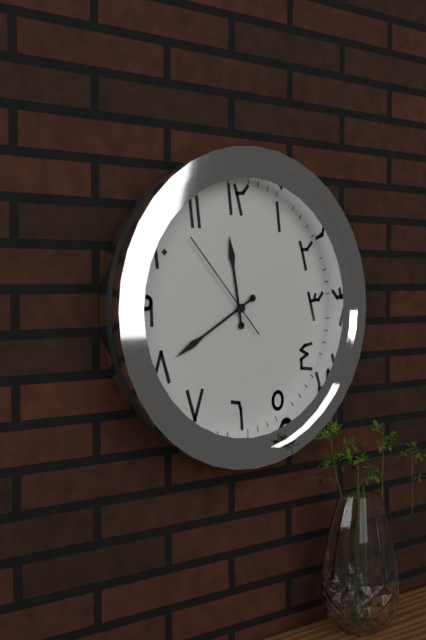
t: 11:40:53
